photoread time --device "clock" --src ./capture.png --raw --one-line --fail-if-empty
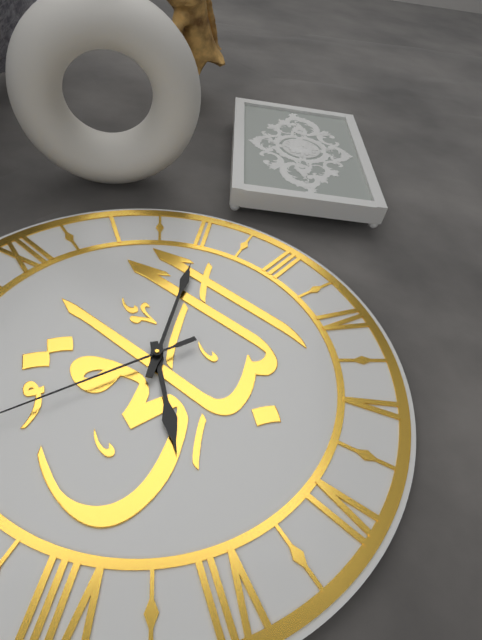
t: 7:10
